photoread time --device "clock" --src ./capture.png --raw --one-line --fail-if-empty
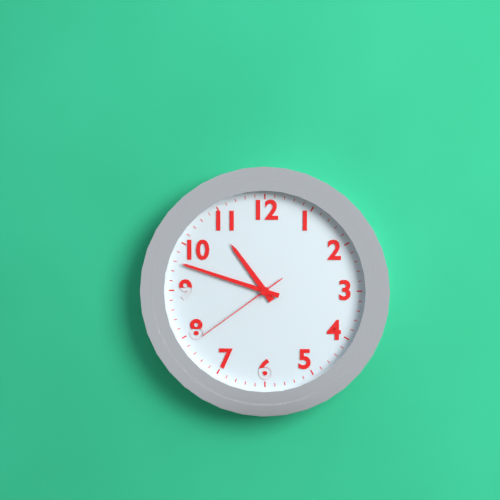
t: 10:48:39
